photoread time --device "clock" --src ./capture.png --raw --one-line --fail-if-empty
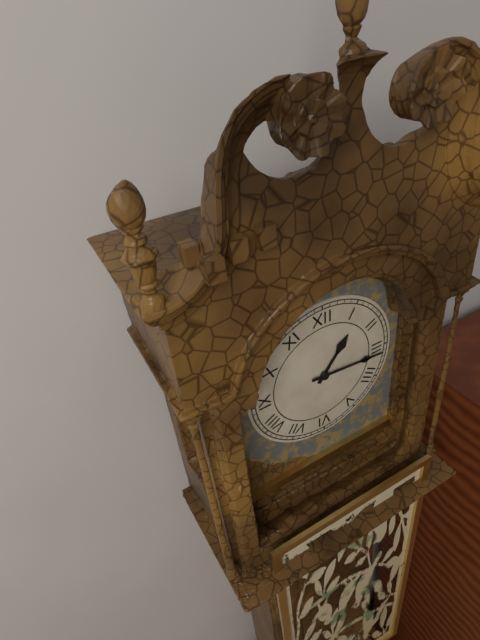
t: 1:16
